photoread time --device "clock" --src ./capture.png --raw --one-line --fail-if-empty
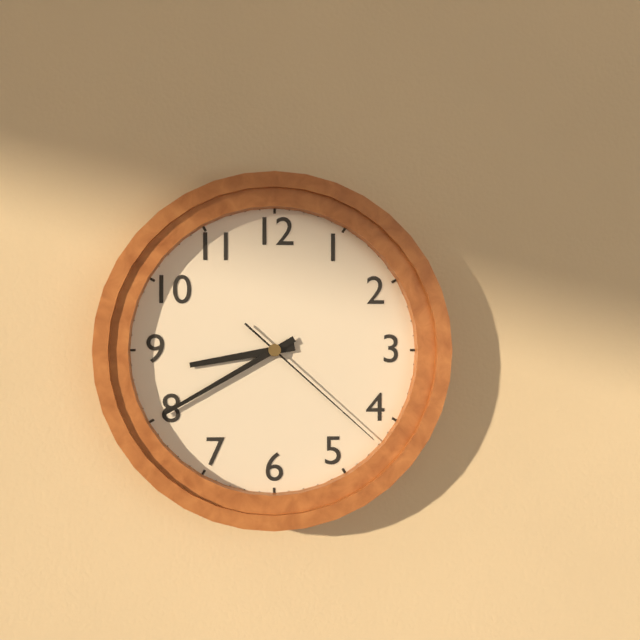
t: 8:40:22
